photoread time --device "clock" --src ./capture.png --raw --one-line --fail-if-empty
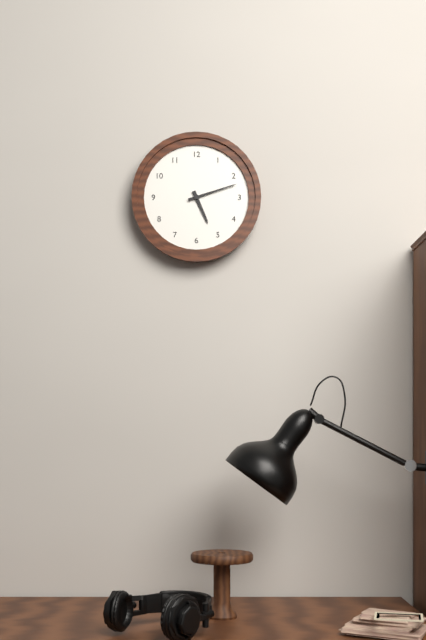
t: 5:12
